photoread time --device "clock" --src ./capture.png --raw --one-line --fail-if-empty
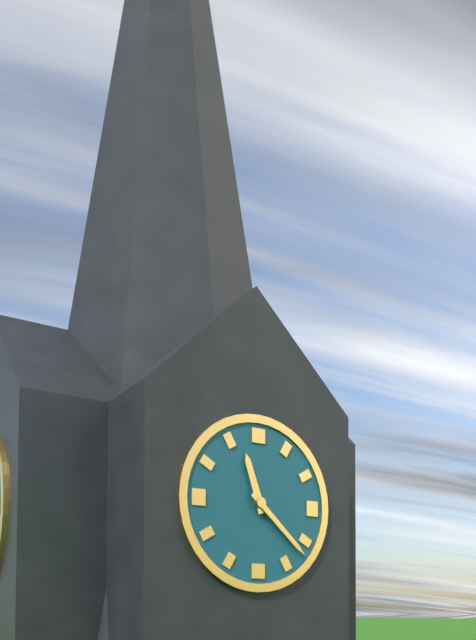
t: 11:22
